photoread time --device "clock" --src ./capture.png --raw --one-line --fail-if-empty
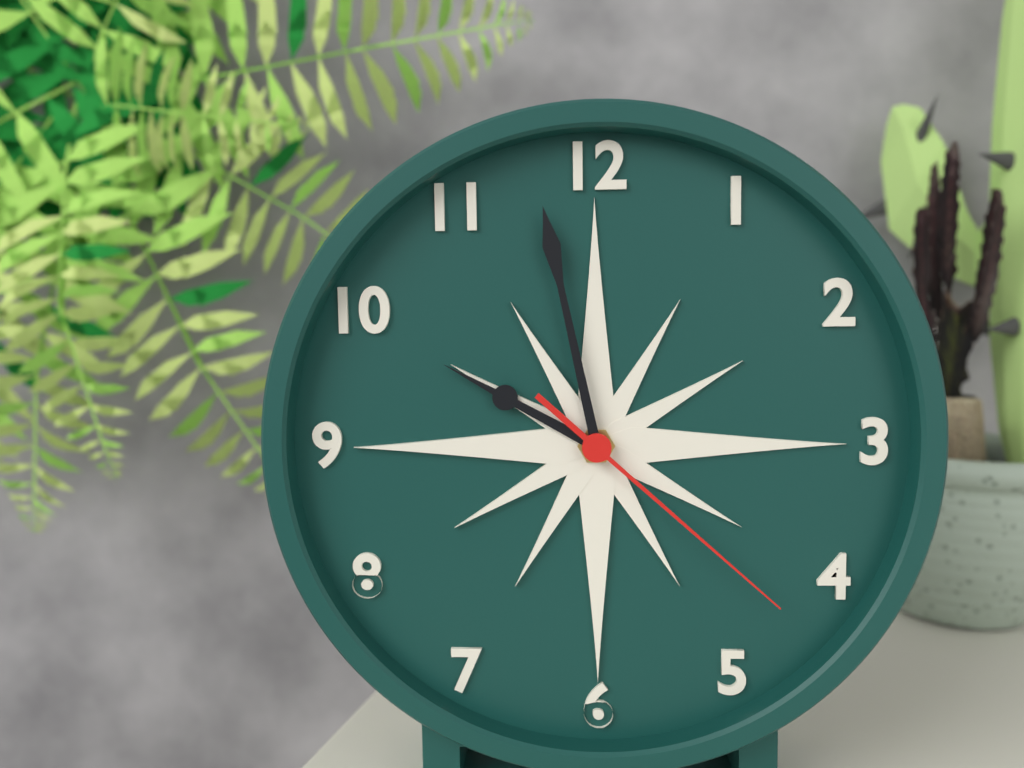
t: 9:58:22
